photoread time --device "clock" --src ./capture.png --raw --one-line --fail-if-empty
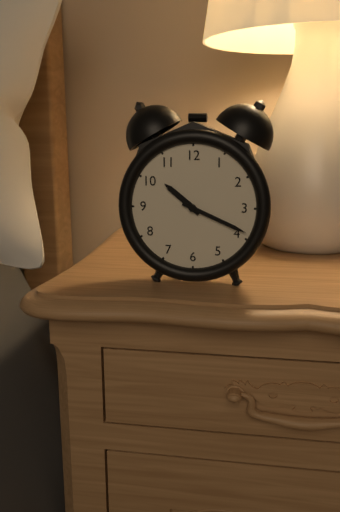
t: 10:19
